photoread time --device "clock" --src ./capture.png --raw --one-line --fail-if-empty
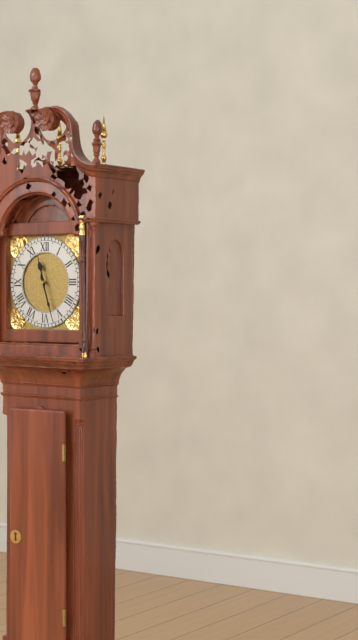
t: 11:27
